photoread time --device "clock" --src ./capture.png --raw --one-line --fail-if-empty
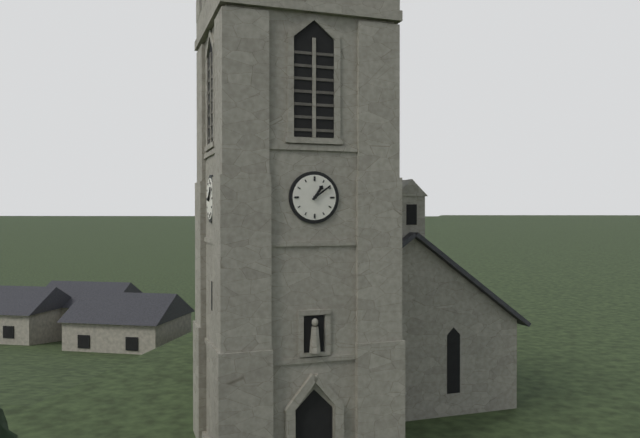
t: 1:09
